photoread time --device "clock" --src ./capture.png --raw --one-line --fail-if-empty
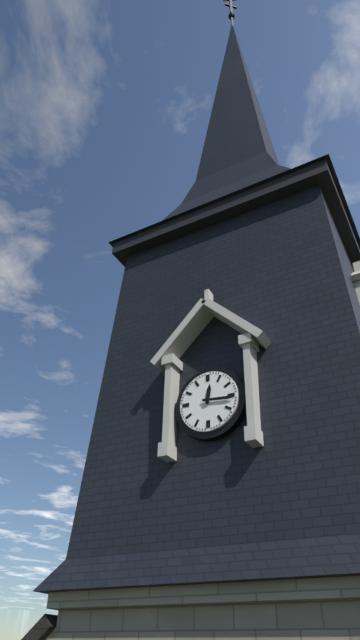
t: 12:16
